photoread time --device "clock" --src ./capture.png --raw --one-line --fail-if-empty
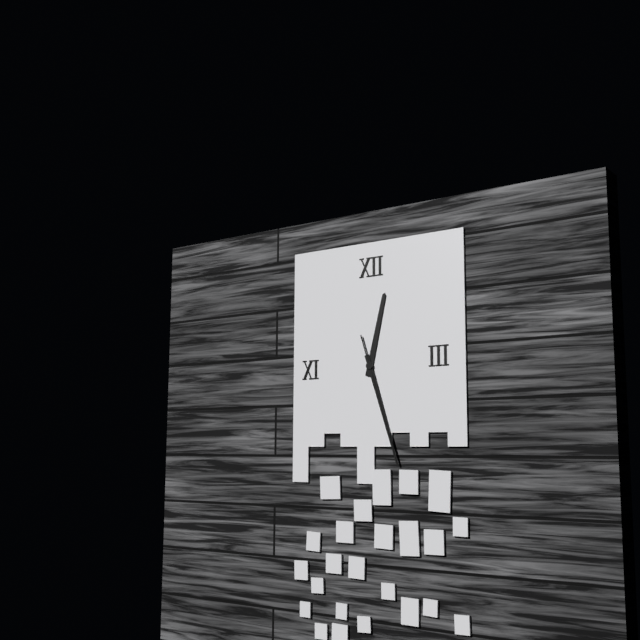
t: 12:27:27
